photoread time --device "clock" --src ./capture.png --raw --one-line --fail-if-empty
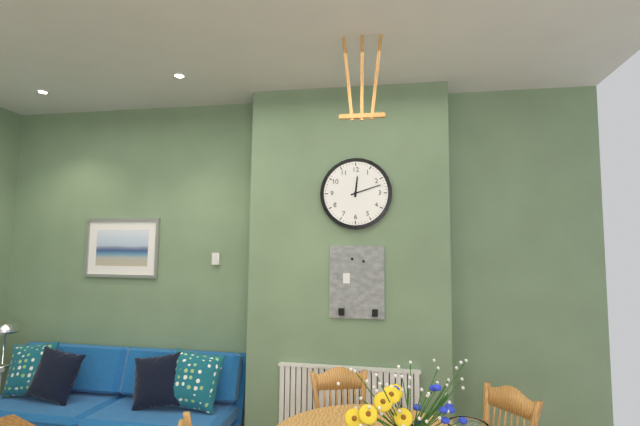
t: 12:12
